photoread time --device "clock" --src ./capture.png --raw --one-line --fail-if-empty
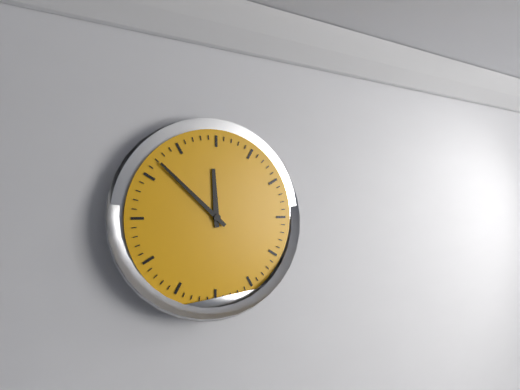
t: 11:52
